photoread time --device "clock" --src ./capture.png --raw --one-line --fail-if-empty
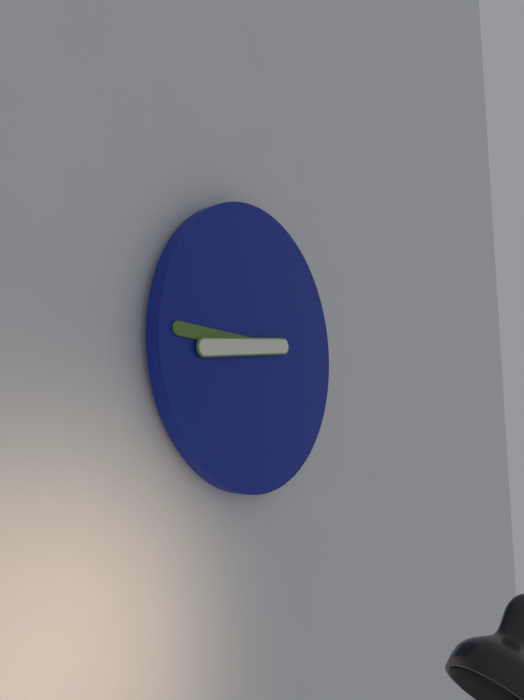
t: 8:45
